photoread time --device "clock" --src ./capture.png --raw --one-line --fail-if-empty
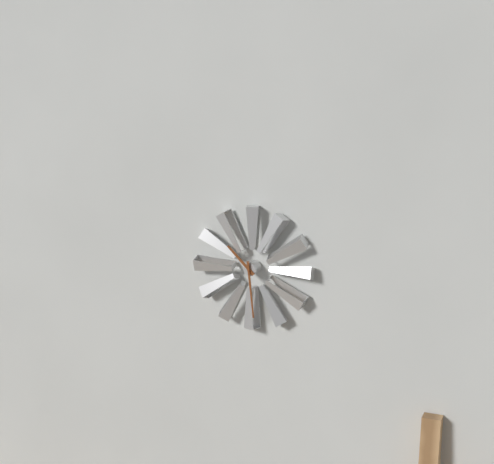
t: 10:29
